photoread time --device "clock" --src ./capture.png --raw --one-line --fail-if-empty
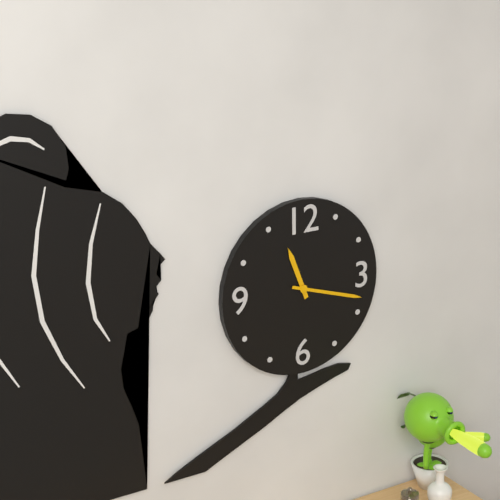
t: 11:18
